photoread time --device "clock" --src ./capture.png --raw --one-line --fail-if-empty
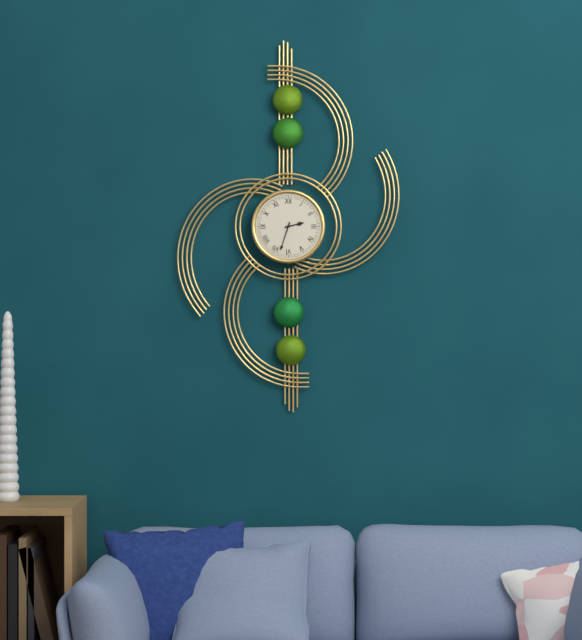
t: 2:33
